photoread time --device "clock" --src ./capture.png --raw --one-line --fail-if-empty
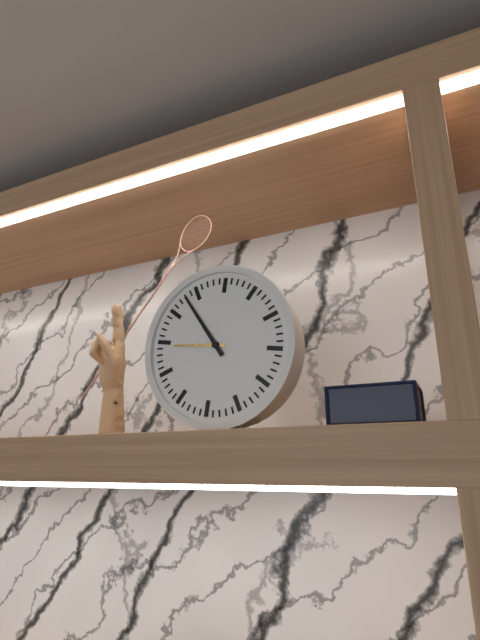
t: 8:53
